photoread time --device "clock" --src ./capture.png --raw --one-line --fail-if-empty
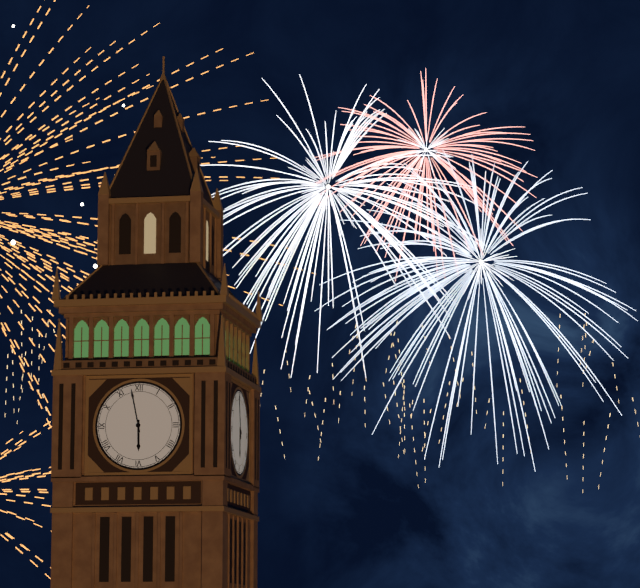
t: 5:58
